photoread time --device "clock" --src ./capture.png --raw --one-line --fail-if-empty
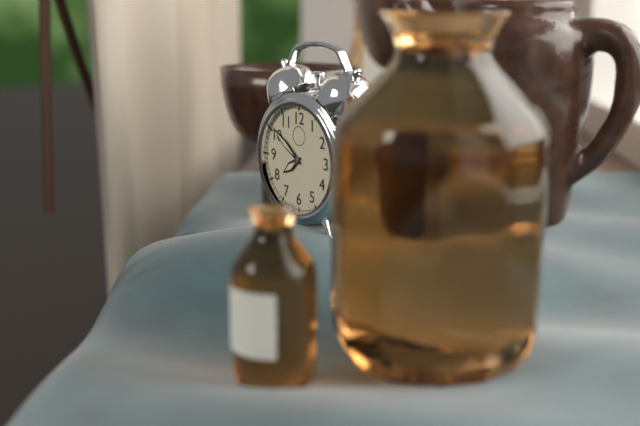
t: 7:51
